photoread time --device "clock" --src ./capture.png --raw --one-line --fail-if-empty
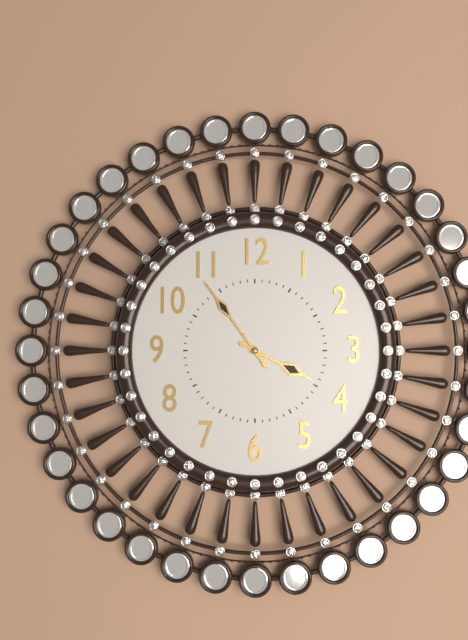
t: 3:54
